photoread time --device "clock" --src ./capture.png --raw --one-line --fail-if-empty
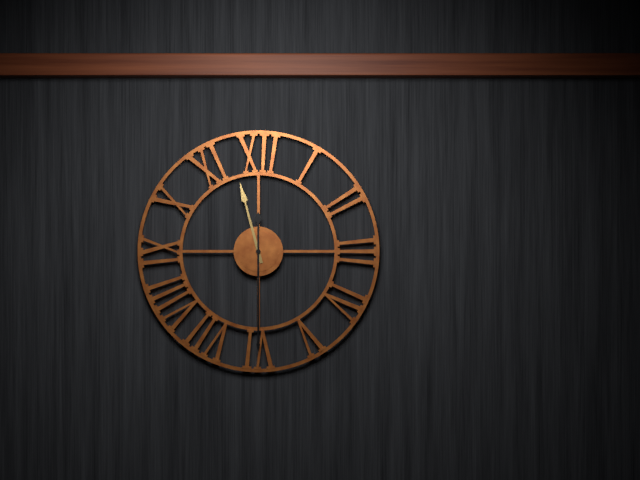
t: 11:30
